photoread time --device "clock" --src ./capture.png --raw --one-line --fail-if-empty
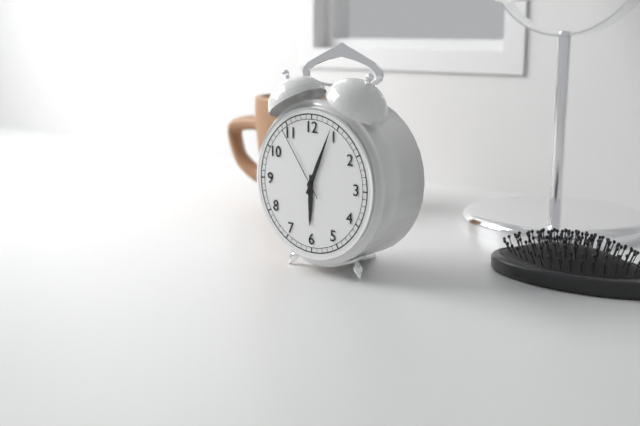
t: 6:04:54
